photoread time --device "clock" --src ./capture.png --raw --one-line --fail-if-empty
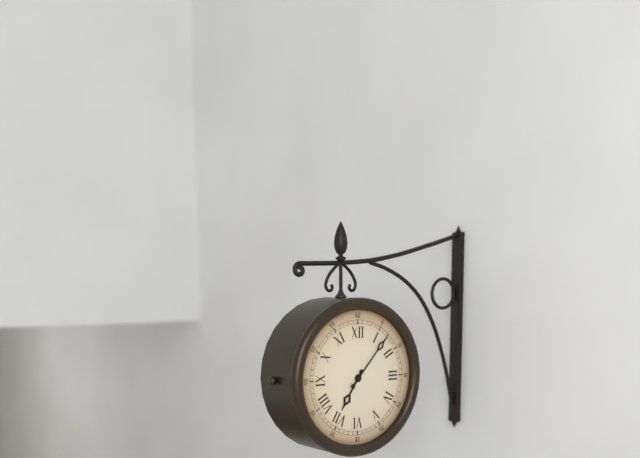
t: 7:07
